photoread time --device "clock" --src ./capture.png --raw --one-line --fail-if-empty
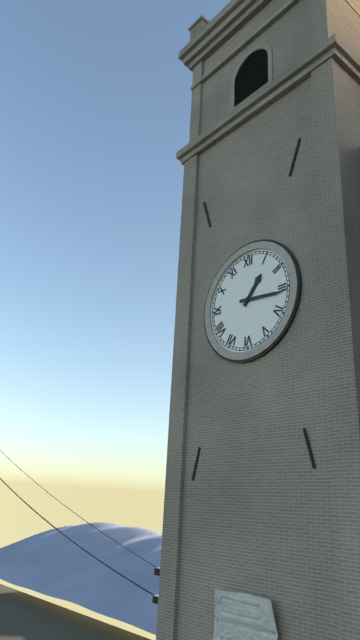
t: 1:16
